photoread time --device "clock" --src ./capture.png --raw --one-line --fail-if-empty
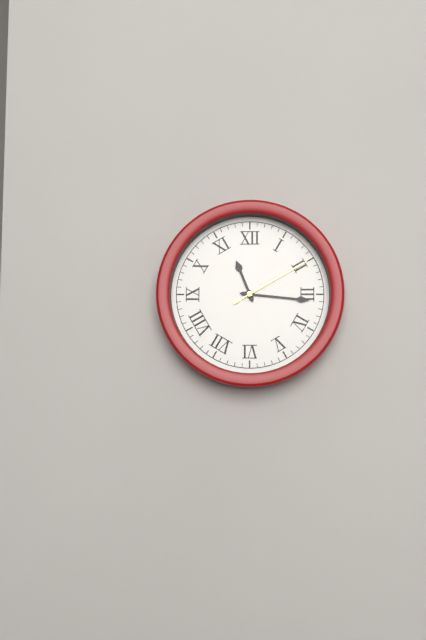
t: 11:16:10
